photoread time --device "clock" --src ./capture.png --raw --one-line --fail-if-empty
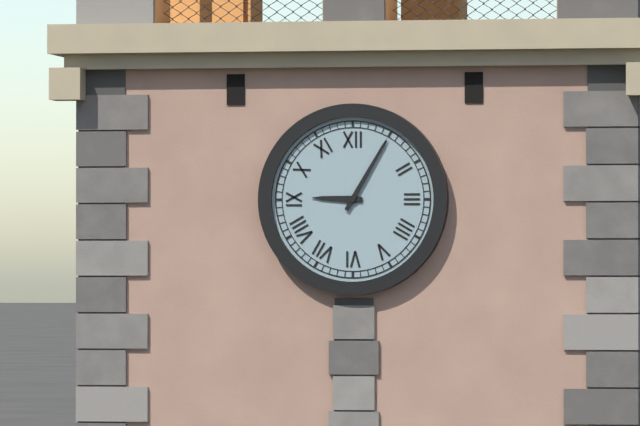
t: 9:05
